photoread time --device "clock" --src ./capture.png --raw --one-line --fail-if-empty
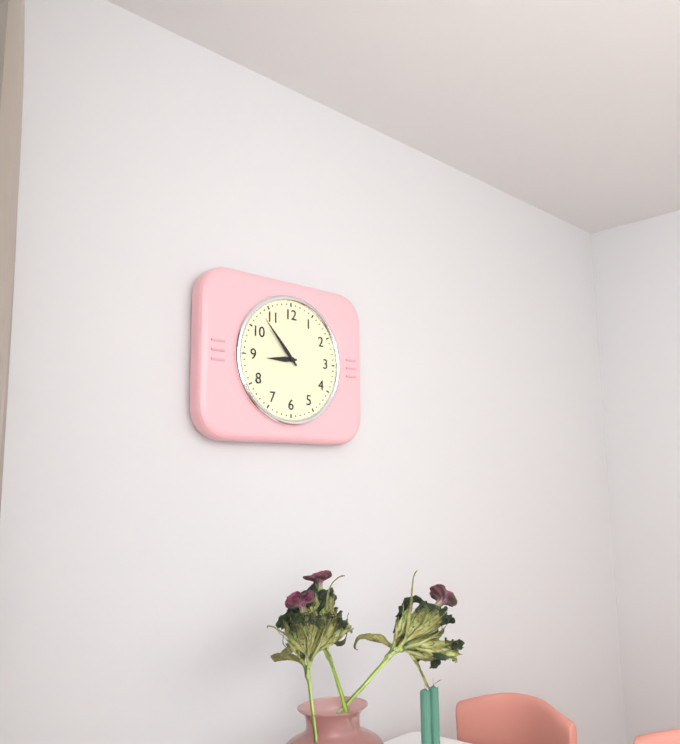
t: 8:53
